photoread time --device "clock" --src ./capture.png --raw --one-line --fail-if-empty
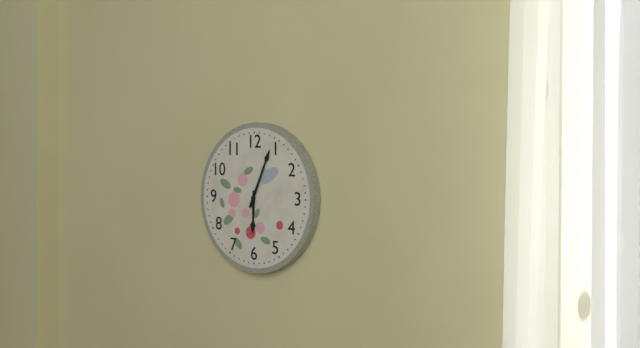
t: 6:04
